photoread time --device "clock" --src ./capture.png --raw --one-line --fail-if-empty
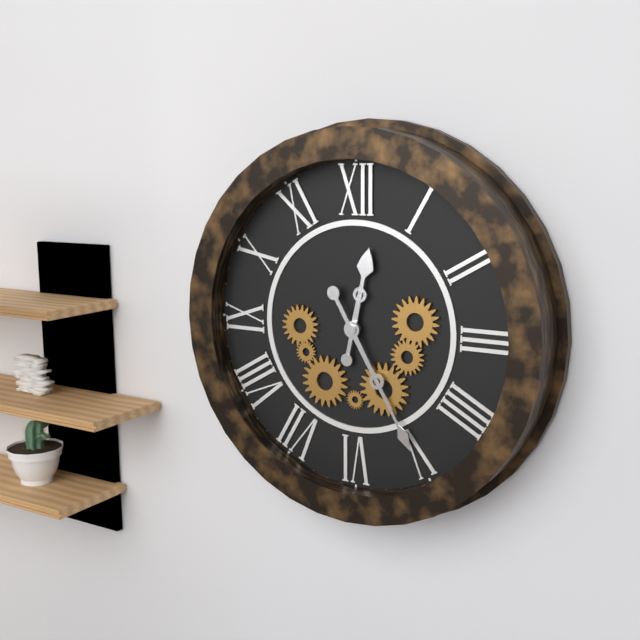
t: 12:25
